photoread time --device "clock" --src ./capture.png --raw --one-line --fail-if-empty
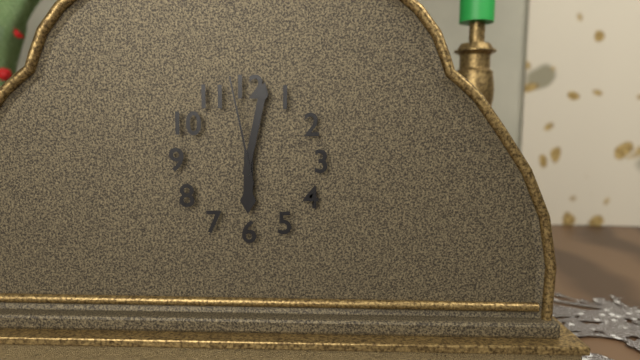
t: 6:02:58
